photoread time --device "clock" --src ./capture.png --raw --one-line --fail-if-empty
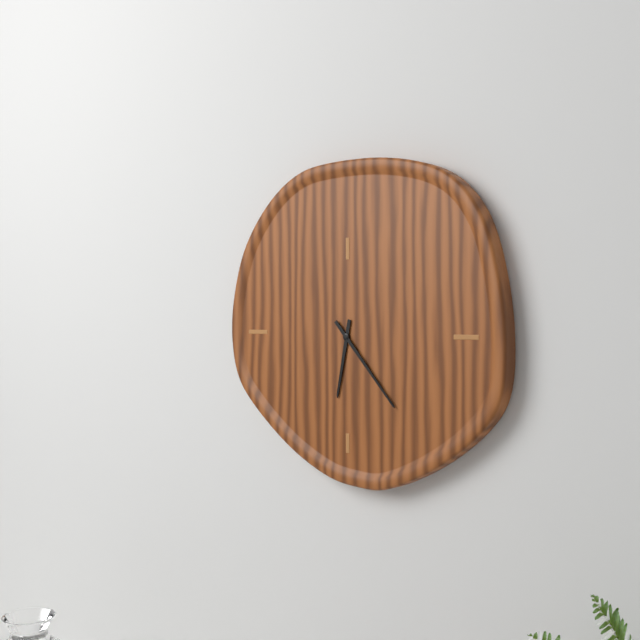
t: 6:23
